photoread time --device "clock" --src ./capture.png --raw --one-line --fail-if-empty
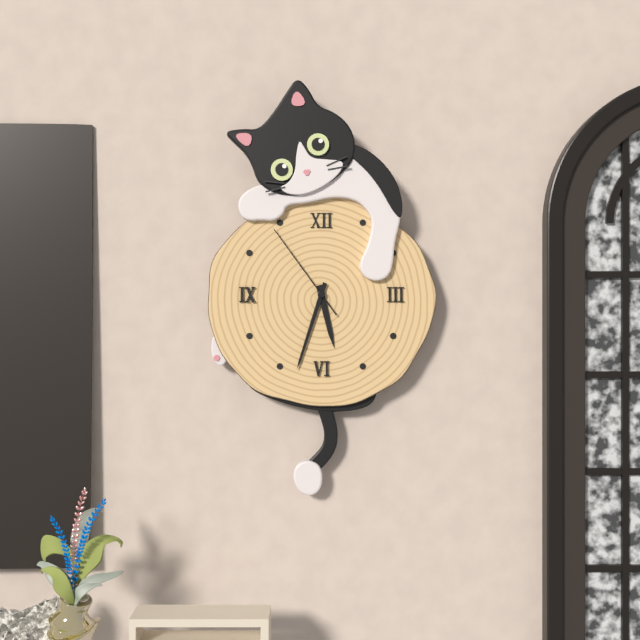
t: 5:33:54
